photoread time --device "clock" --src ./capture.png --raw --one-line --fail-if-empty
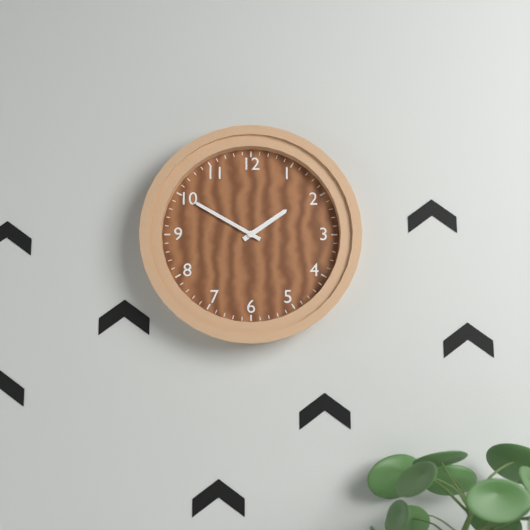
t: 1:50
